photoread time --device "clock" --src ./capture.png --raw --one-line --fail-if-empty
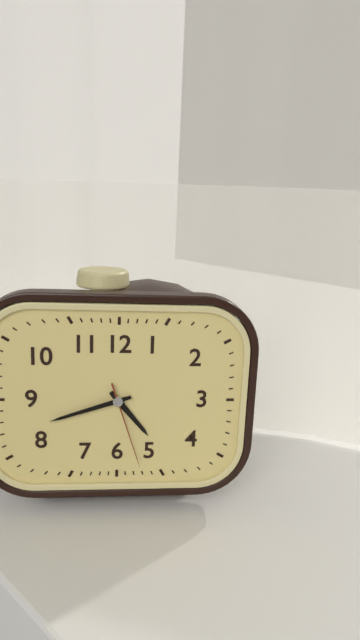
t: 4:42:27
